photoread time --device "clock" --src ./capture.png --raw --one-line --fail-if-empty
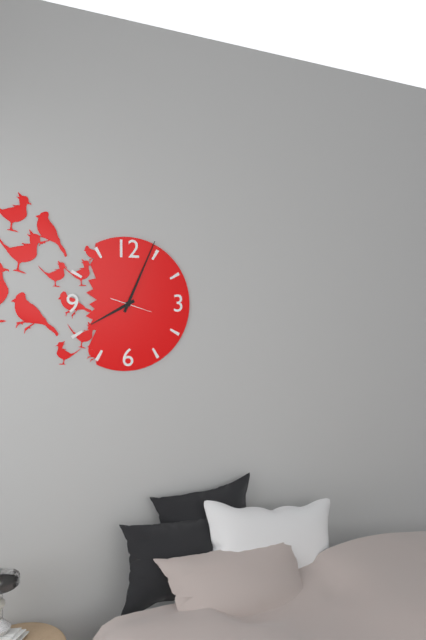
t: 8:04
